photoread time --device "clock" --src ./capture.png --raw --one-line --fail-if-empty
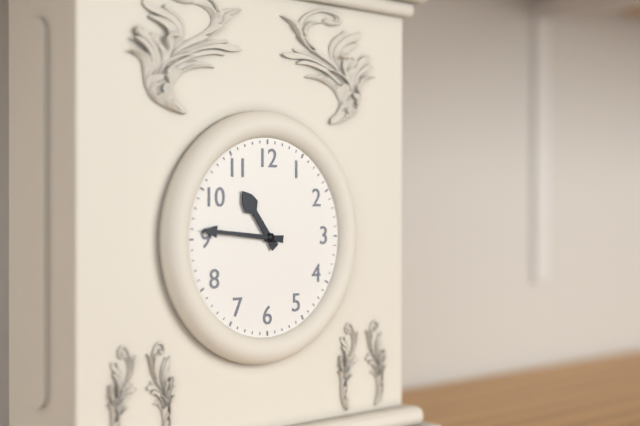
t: 10:46
